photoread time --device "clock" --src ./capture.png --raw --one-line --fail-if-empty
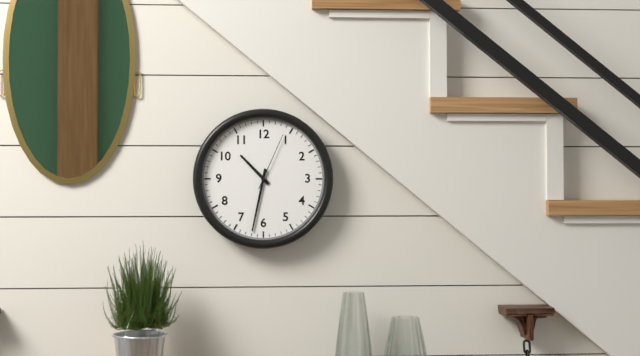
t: 10:32:04
